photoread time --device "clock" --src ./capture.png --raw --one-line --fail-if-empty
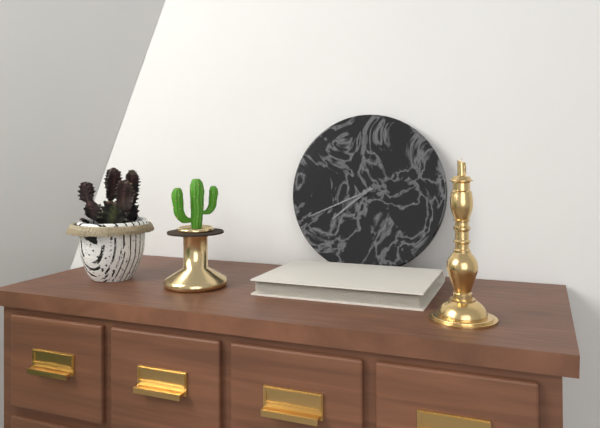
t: 7:41
